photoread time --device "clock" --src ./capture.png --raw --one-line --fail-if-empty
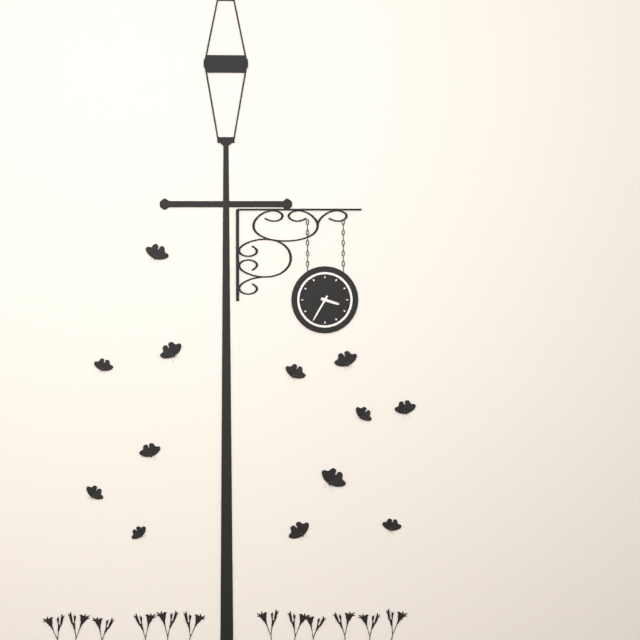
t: 3:35
